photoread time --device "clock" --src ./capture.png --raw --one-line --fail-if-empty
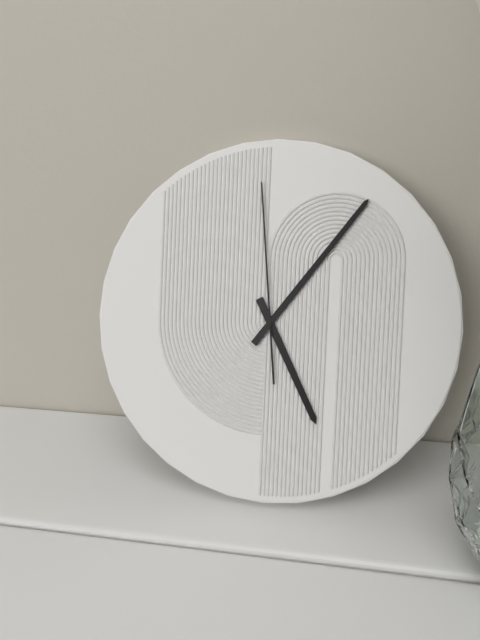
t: 5:06:59
